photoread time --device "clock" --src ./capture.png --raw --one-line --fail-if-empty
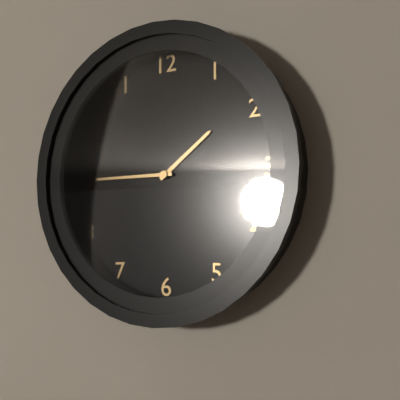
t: 1:45
